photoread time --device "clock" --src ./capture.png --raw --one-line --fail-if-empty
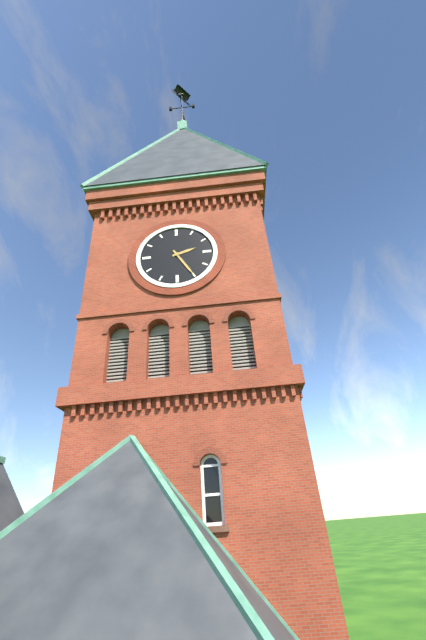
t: 2:25
